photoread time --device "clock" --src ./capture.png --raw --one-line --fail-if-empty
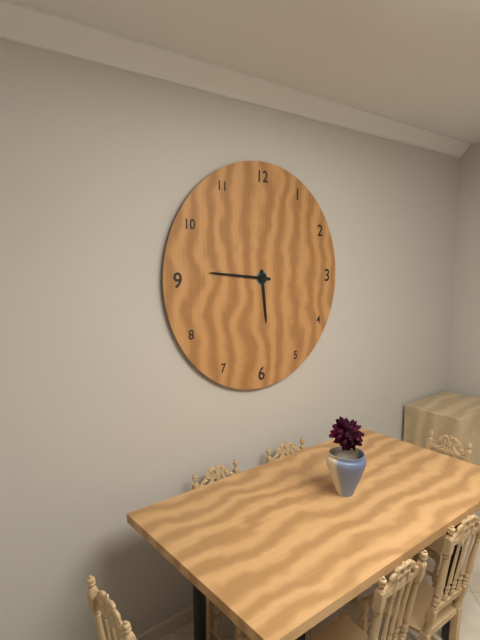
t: 5:46
